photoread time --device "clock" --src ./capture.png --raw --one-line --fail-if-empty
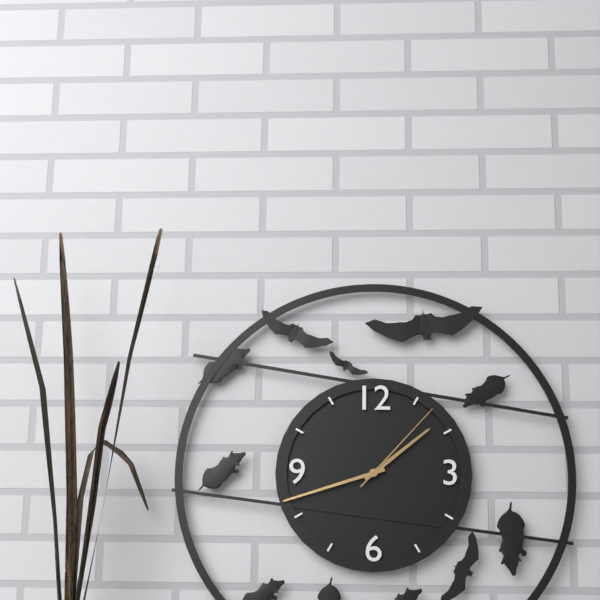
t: 1:42:07
